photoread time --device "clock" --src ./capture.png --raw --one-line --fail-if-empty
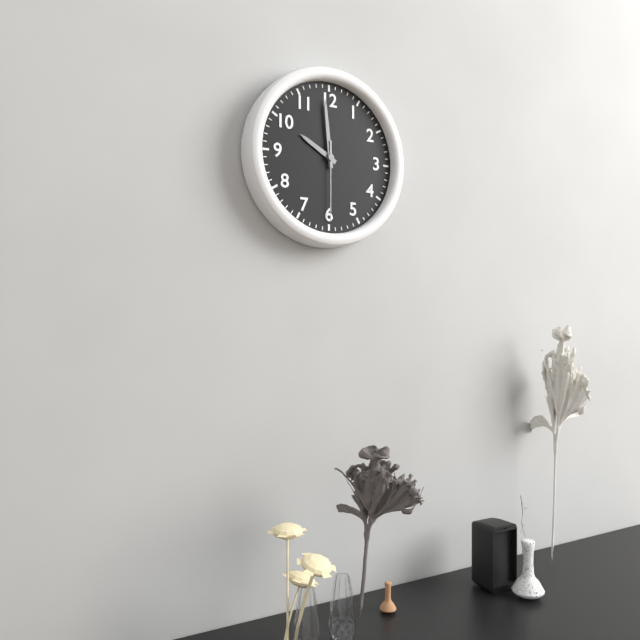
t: 9:59:30
